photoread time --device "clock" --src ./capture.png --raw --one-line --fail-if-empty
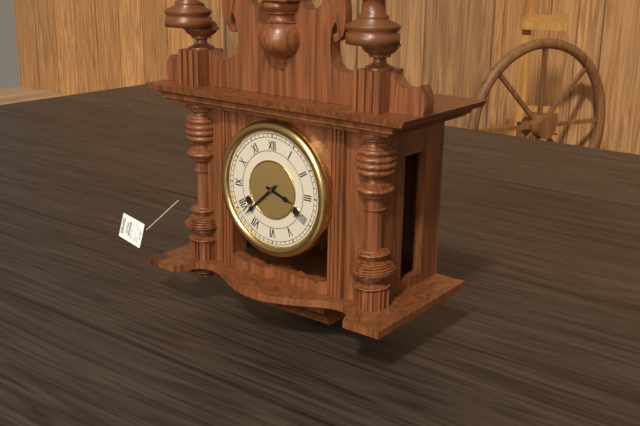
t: 3:38
